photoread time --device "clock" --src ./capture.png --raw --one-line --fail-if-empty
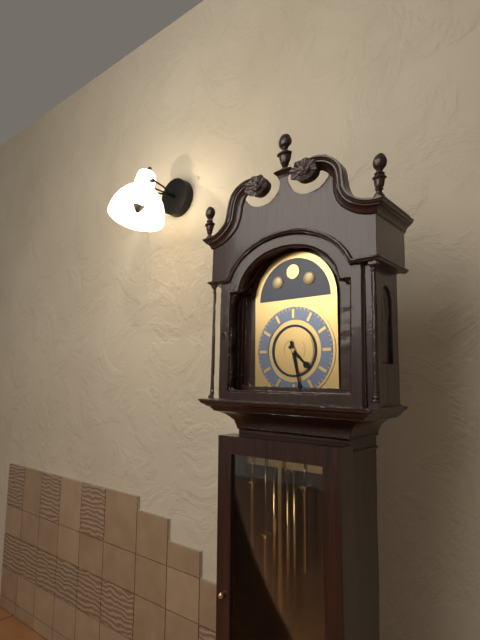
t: 4:28
